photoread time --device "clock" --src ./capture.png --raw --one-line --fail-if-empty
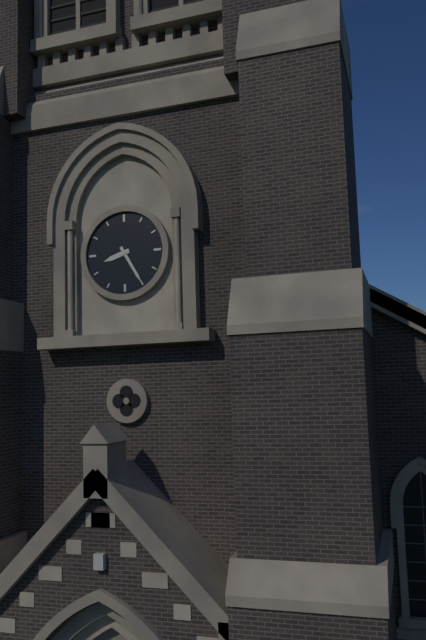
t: 8:25
